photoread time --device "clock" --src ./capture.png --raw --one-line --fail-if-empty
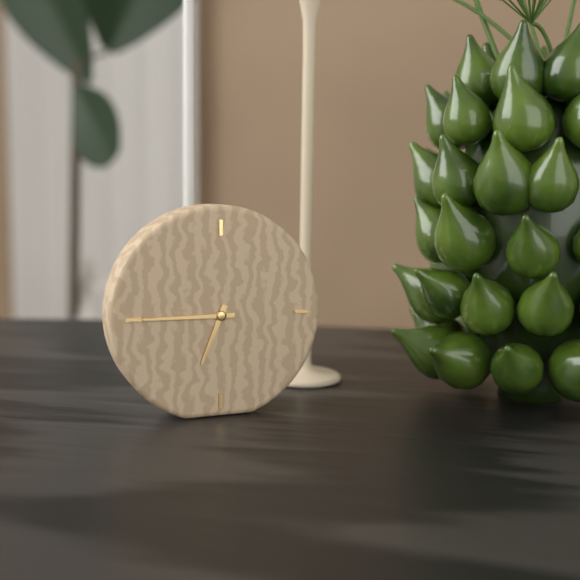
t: 6:45
